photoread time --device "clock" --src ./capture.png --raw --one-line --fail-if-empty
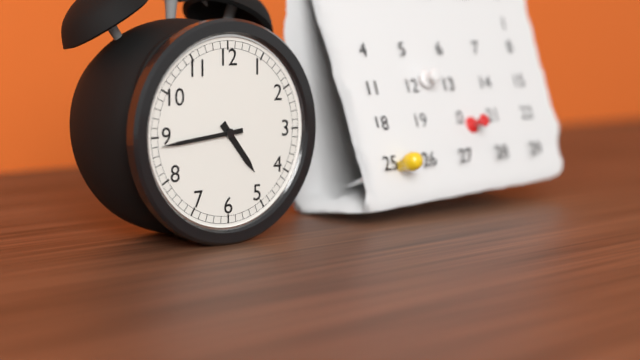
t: 4:44
